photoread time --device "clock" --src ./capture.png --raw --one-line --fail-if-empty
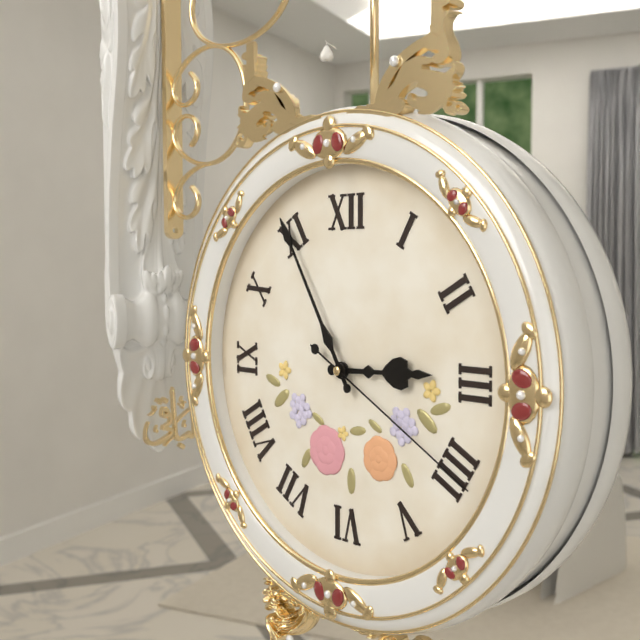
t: 2:55:20
